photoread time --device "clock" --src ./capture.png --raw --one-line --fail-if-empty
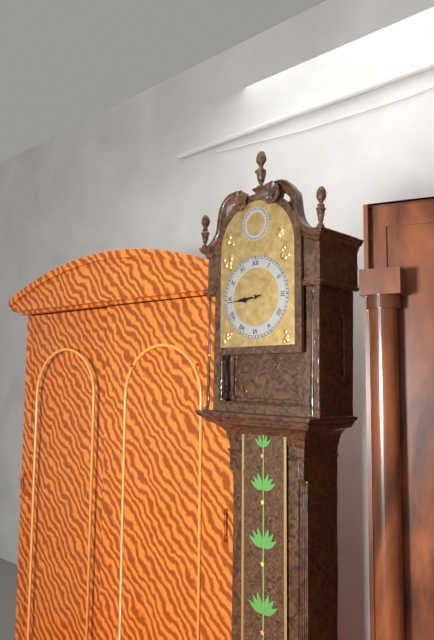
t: 8:44
